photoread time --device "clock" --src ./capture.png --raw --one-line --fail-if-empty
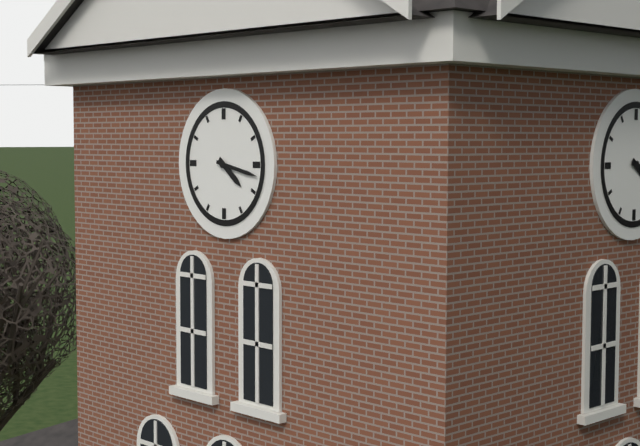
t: 4:17
